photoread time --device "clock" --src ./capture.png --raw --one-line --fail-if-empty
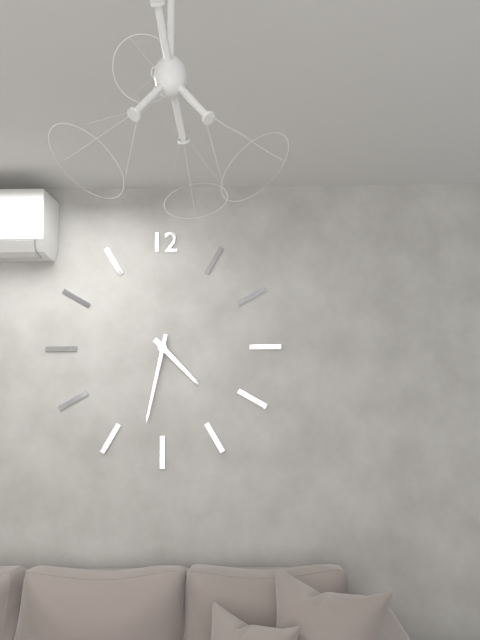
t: 4:32
